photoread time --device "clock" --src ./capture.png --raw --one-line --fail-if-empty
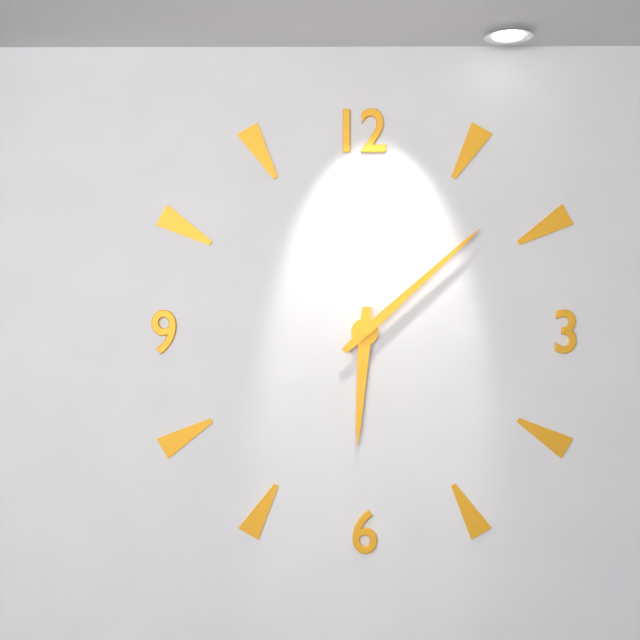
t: 6:08
